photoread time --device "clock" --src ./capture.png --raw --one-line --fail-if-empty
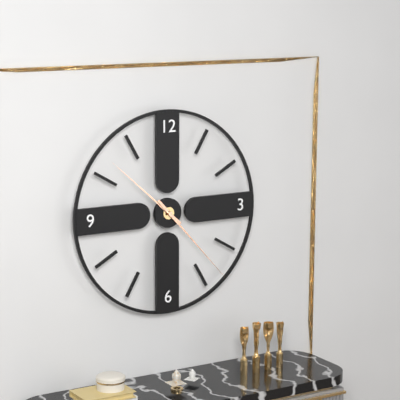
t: 10:23
